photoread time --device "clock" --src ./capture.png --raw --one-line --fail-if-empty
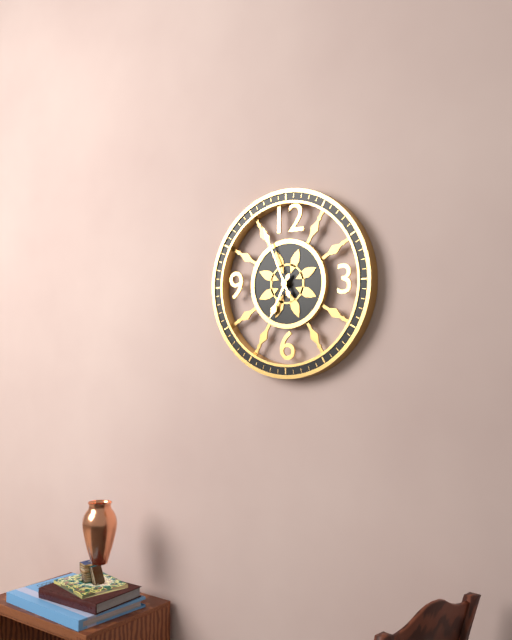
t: 6:56
